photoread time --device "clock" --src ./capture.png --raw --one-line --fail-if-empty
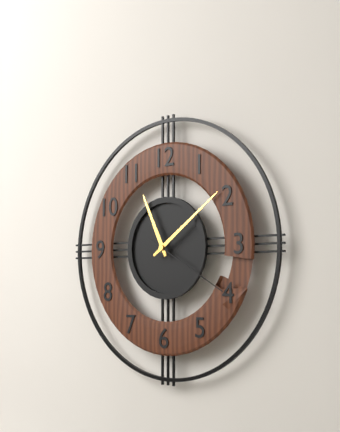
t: 11:09:20
